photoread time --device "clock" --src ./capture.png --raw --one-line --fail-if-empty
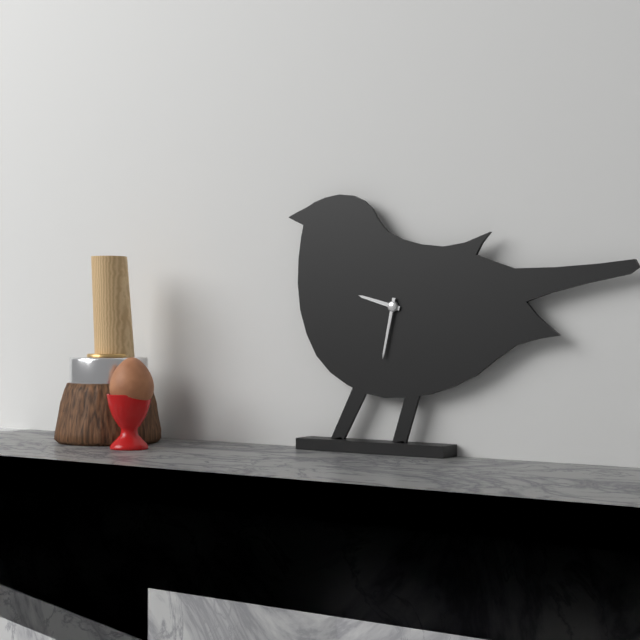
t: 9:32
